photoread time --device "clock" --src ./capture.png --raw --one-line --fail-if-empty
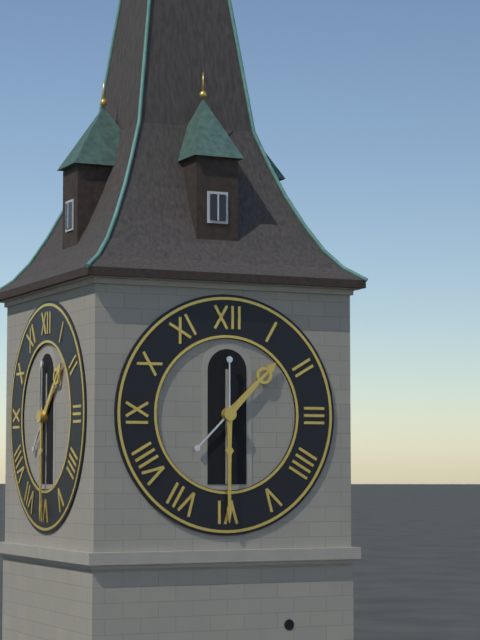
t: 1:30
